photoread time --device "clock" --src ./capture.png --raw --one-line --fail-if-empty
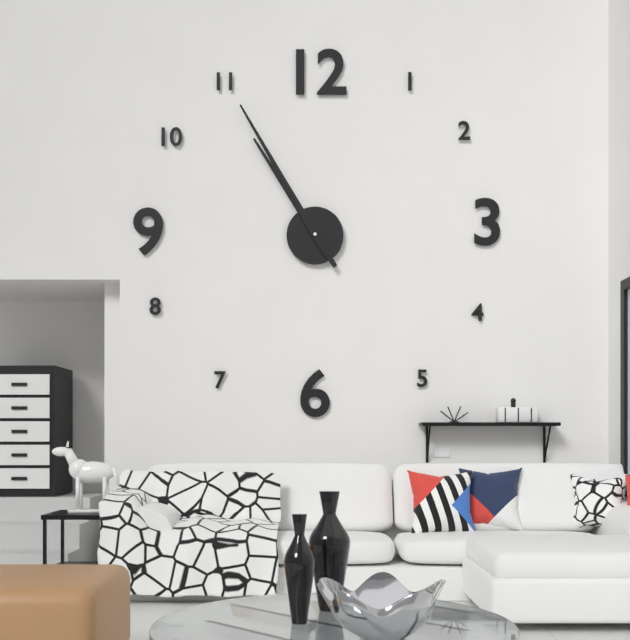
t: 10:55
